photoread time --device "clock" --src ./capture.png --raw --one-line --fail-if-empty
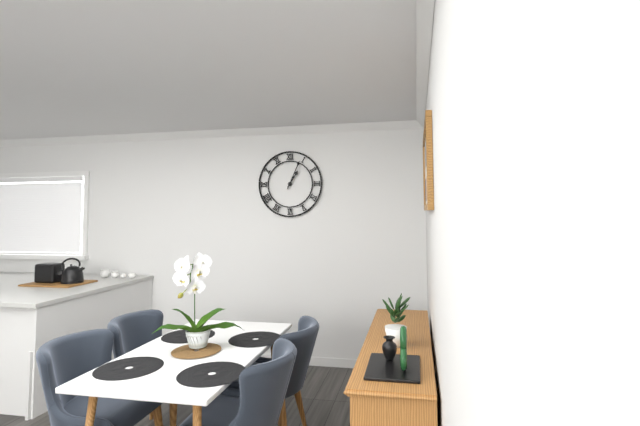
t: 1:04
